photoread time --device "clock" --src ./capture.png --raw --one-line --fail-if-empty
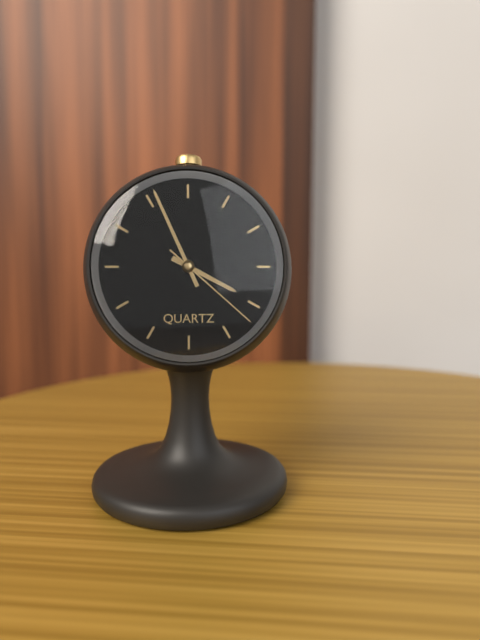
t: 3:56:22
